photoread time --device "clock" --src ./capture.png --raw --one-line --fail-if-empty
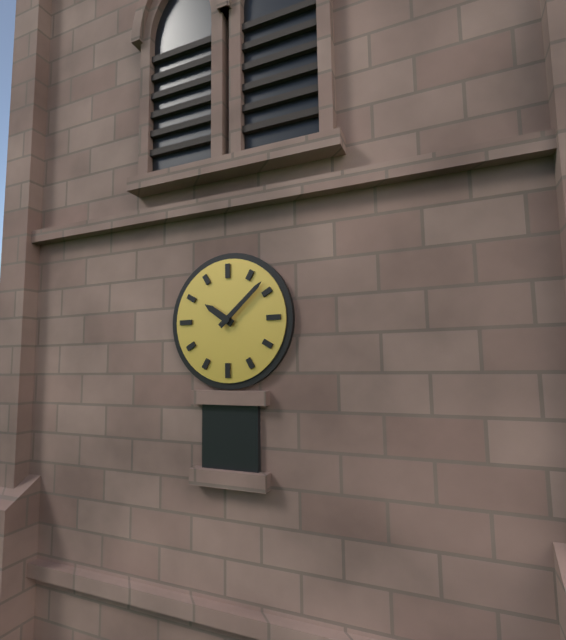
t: 10:08
